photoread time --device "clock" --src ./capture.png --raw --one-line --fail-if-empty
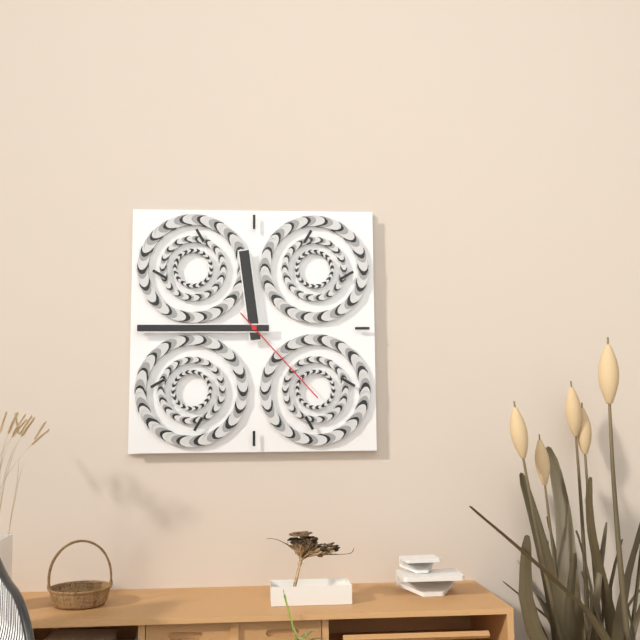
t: 11:45:23
